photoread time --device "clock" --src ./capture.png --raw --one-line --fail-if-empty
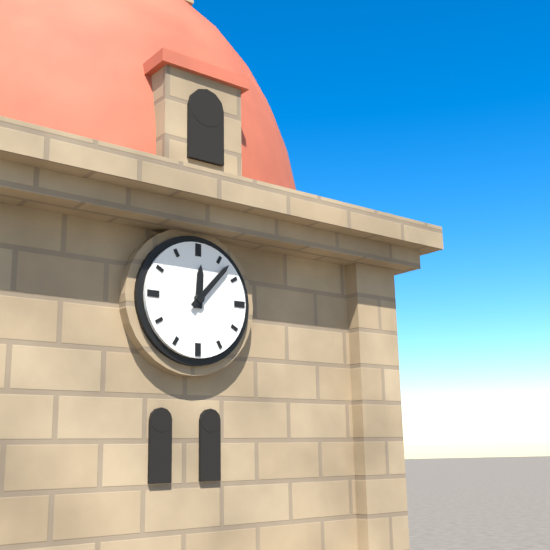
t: 12:07
